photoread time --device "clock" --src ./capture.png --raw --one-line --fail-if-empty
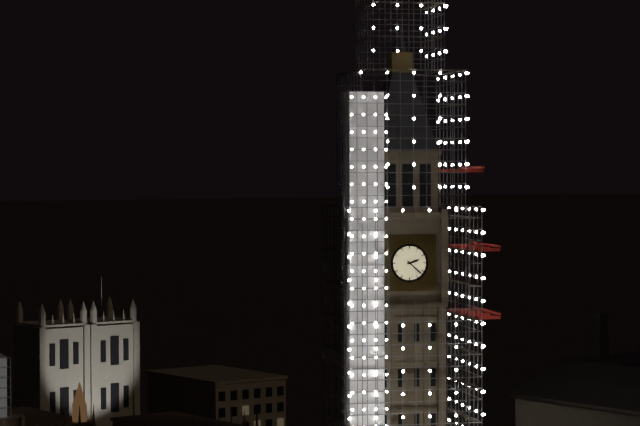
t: 2:22
